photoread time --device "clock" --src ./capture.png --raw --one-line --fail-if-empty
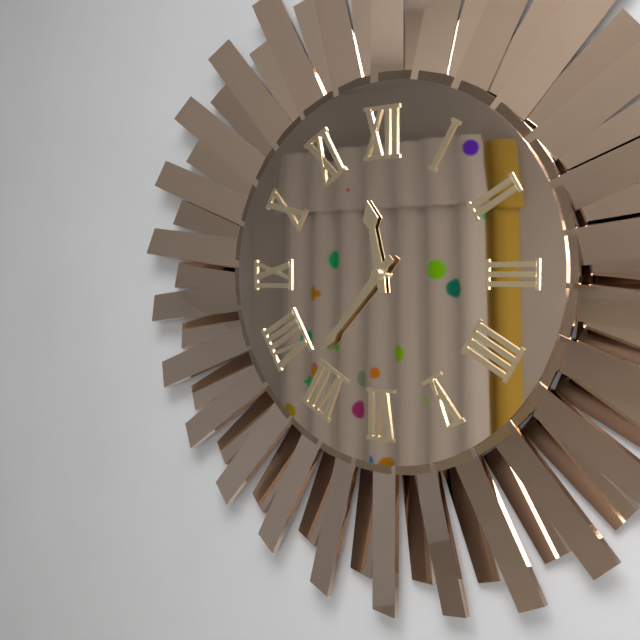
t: 11:37
